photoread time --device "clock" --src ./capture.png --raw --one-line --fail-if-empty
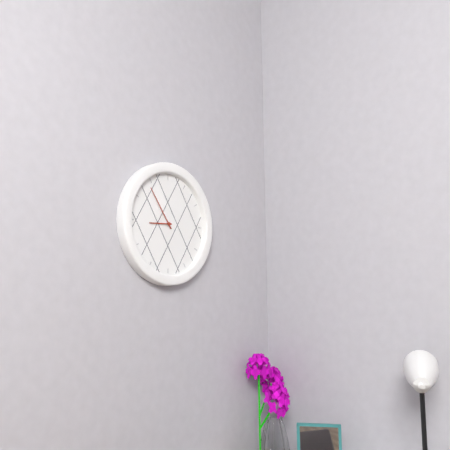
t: 8:54
